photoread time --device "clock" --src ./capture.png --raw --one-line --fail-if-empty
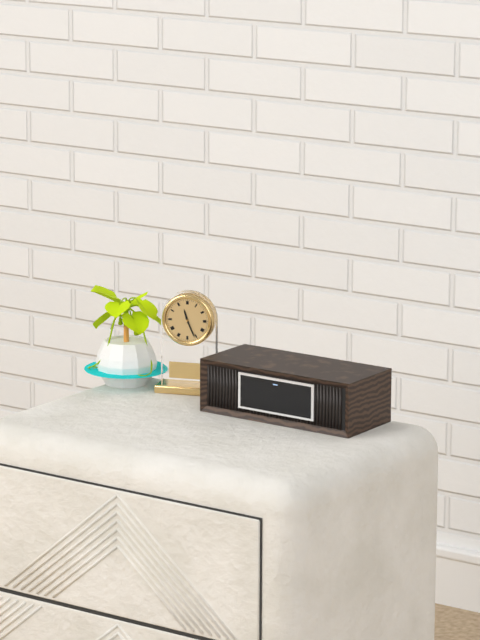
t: 11:26
